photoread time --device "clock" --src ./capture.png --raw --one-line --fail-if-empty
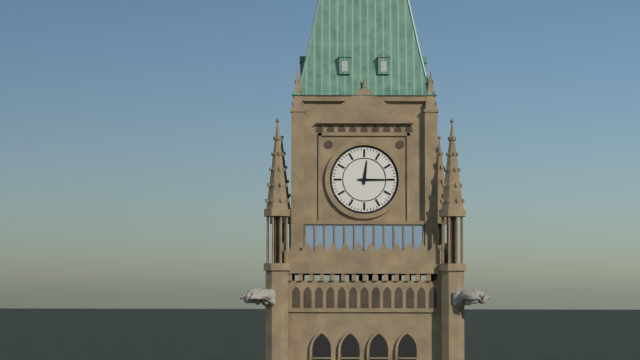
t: 12:15
